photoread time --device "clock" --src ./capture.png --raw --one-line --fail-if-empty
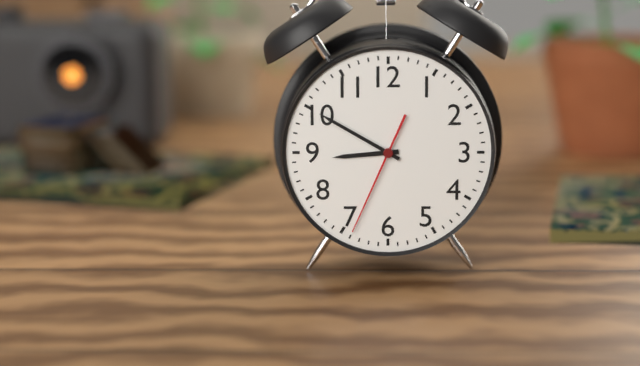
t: 8:50:34
